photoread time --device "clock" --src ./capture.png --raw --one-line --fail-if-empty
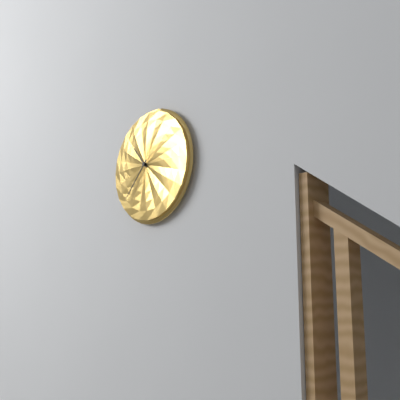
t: 10:37
